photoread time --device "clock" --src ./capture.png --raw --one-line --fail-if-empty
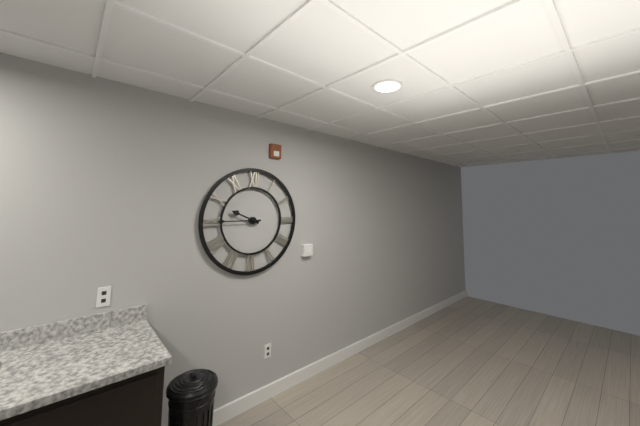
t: 9:45
